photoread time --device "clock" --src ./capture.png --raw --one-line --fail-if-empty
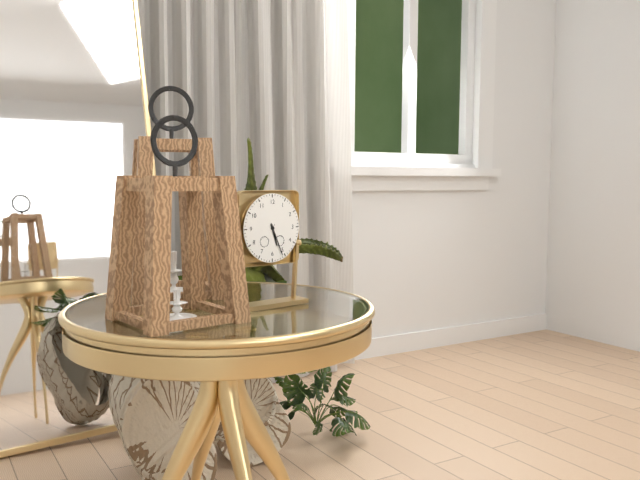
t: 5:26
